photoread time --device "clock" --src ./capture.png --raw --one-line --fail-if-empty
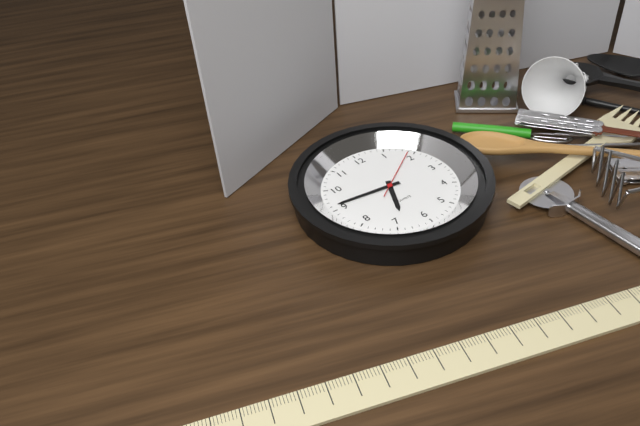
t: 6:46:09
